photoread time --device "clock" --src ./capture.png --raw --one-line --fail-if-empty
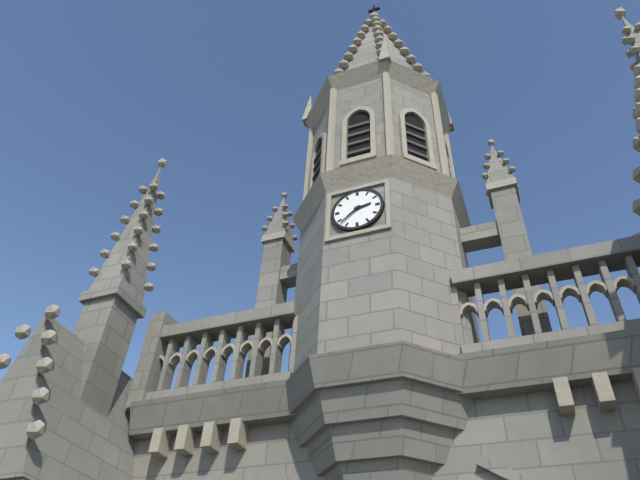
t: 2:38
